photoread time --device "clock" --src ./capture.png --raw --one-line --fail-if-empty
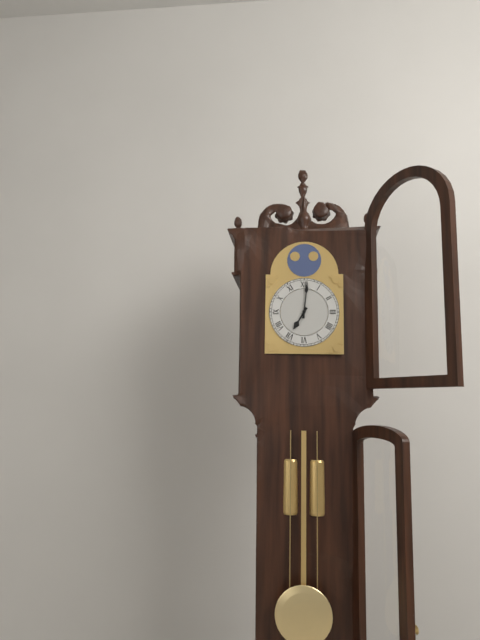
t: 7:01
